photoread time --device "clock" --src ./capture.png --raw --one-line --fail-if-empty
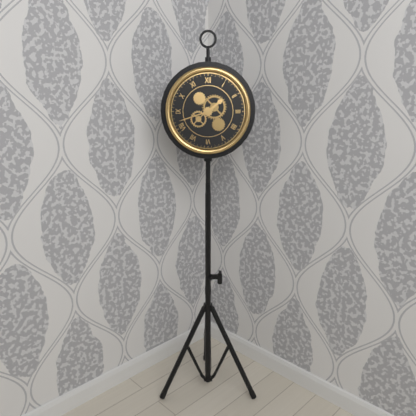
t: 1:42
